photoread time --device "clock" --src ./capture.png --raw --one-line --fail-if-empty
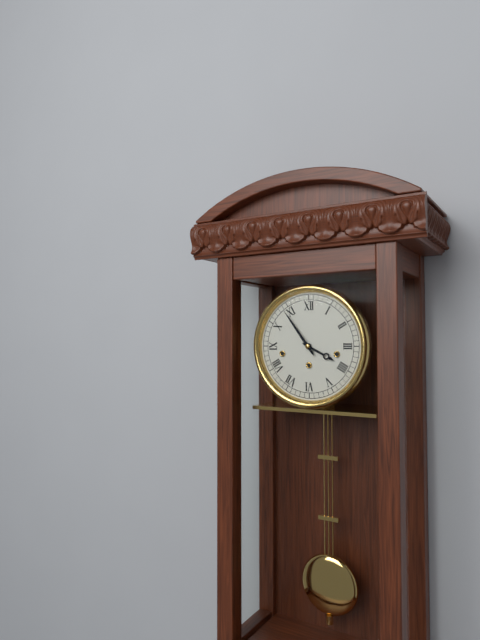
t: 3:54
